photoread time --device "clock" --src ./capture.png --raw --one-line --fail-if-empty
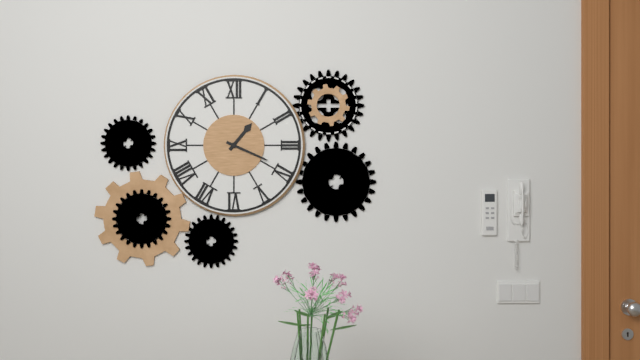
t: 1:19
